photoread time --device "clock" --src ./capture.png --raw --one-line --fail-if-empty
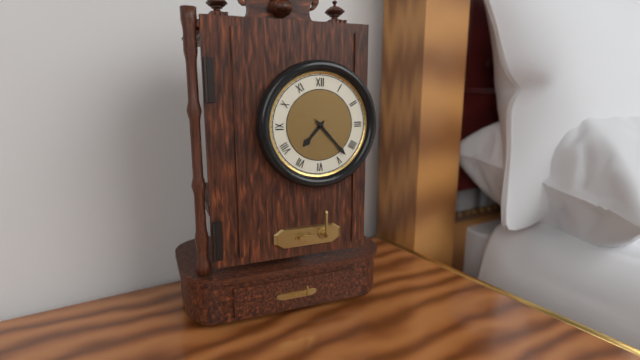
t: 7:23
